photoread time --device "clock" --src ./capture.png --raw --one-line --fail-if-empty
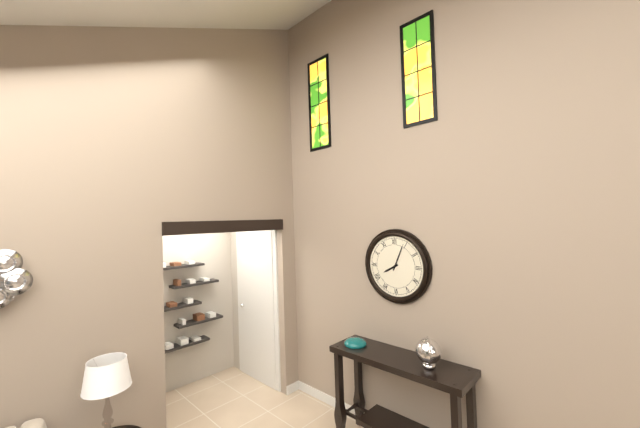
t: 8:04
